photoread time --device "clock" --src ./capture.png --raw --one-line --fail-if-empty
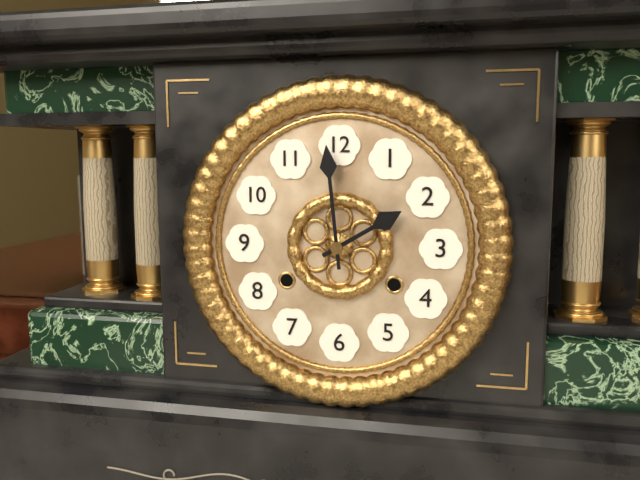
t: 1:59
